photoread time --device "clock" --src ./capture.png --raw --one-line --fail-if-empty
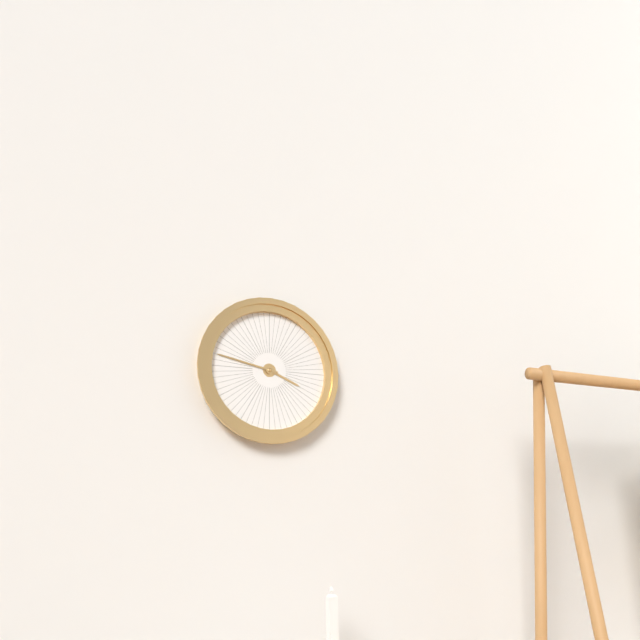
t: 3:47
